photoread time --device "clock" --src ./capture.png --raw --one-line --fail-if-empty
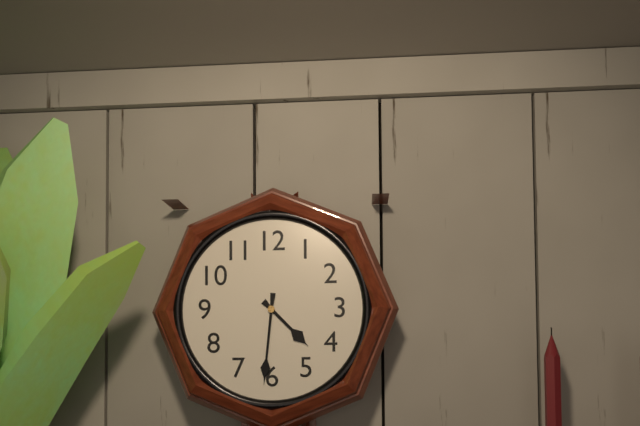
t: 4:31
